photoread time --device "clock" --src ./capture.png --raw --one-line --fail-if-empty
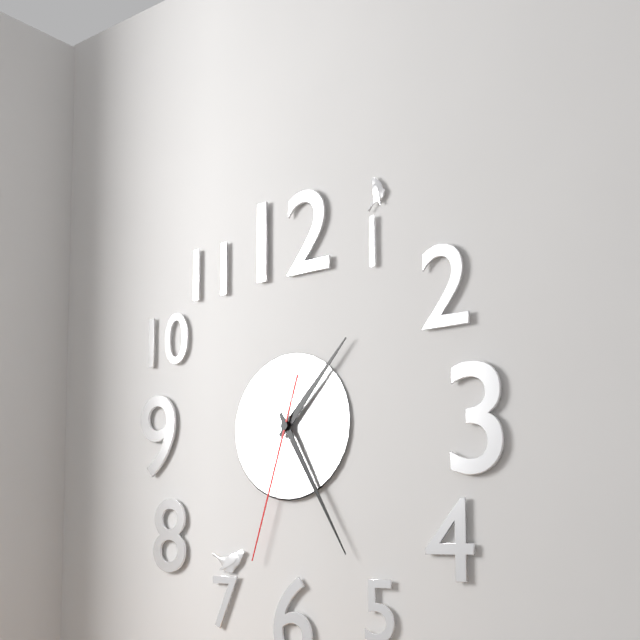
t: 1:25:33
